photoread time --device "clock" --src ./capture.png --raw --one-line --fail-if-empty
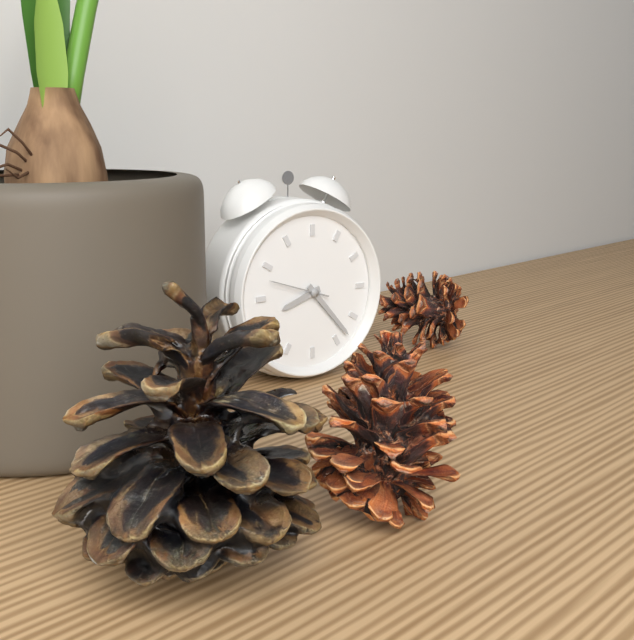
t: 8:23:48
